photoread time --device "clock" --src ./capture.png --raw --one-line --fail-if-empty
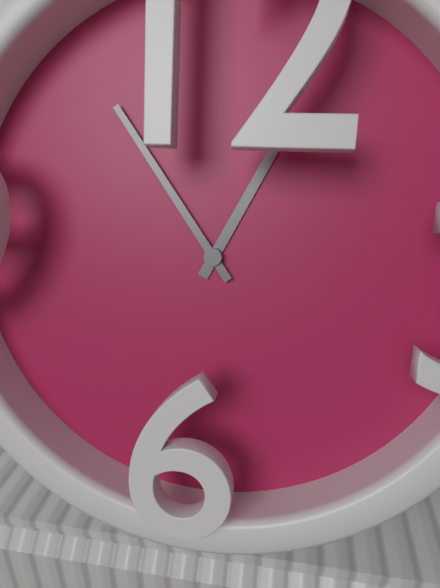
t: 12:54
